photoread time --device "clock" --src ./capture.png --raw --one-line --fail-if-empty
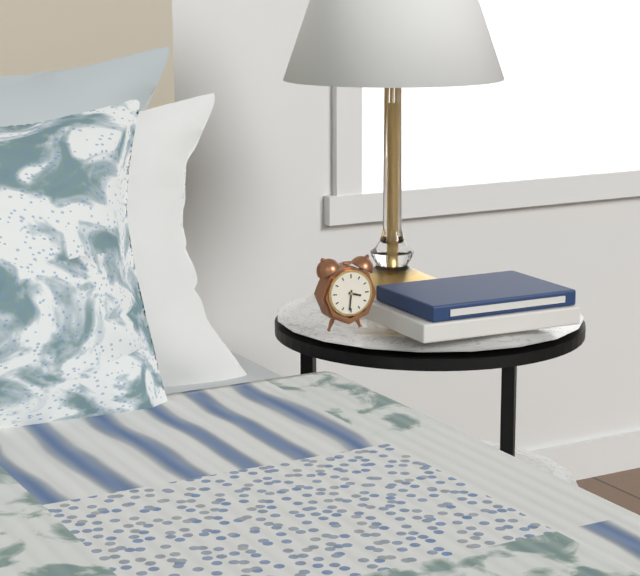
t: 3:31
